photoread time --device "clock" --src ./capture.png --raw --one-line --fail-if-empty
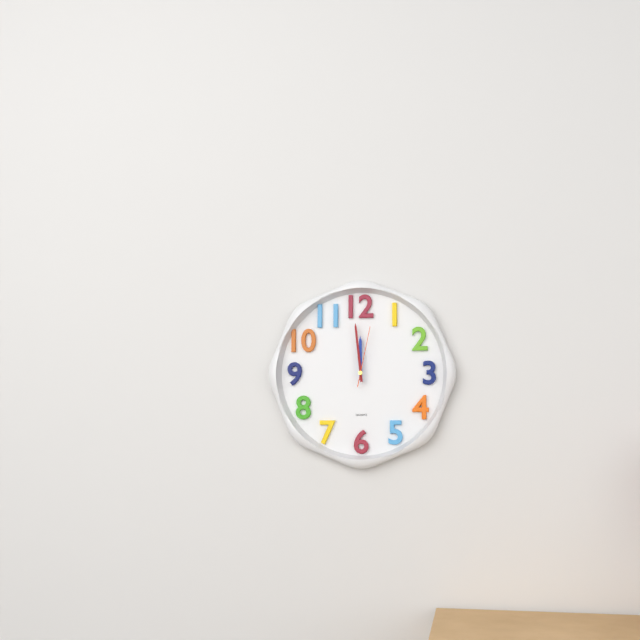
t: 11:59:02
